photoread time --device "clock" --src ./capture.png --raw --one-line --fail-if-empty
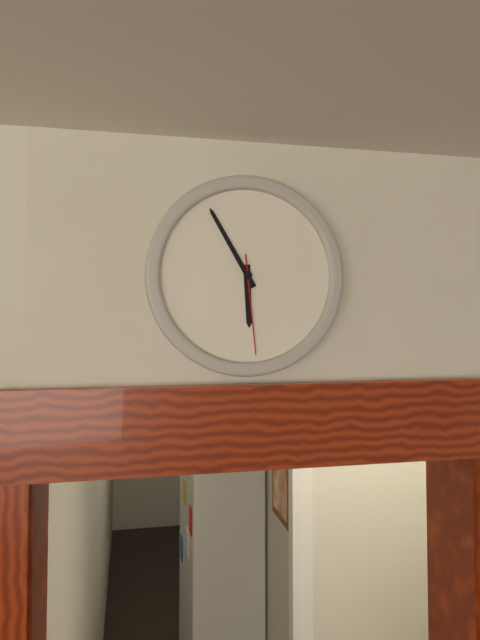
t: 5:55:29
